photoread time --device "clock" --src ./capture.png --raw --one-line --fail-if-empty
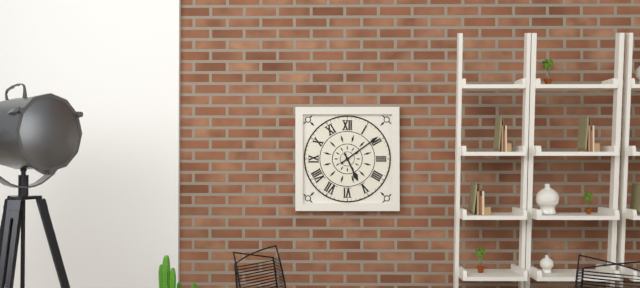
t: 5:09
